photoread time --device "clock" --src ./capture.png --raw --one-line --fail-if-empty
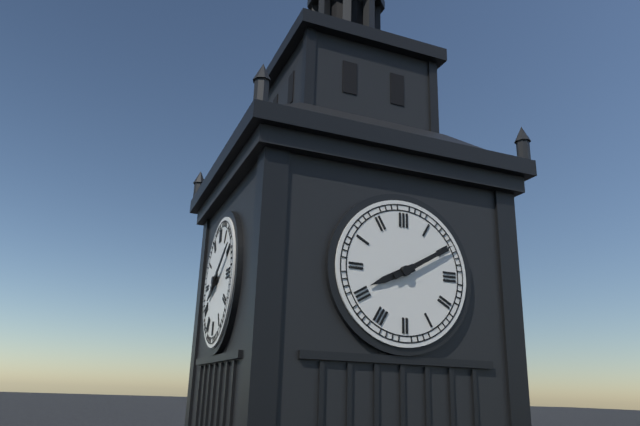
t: 8:10
